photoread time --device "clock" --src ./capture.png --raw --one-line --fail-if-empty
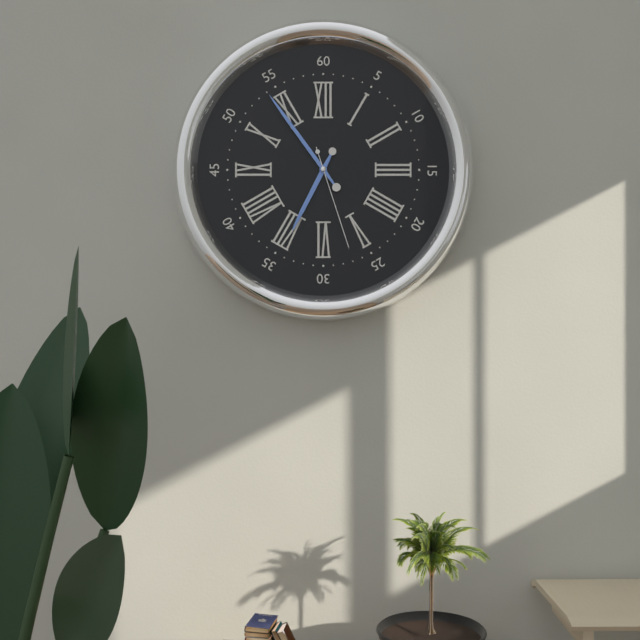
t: 6:54:27
